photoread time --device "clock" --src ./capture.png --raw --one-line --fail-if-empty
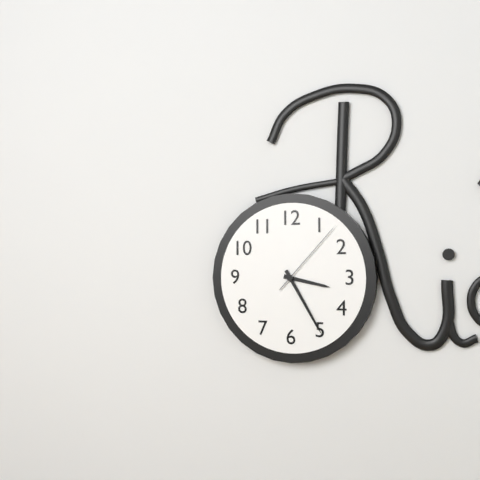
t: 3:25:07
